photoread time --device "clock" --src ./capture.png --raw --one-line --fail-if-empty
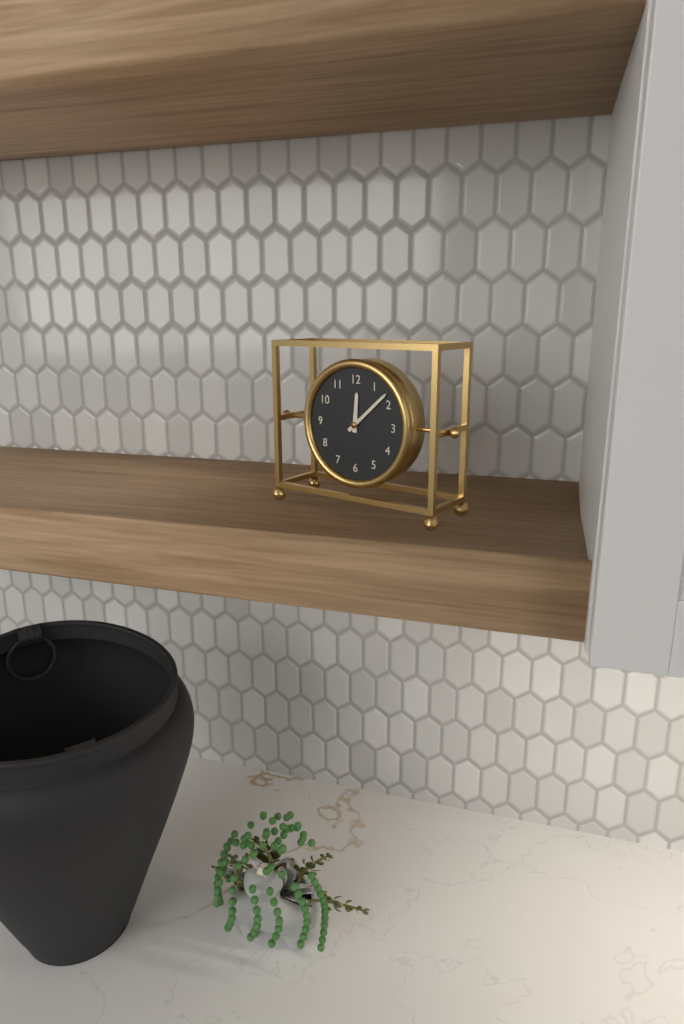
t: 12:08
